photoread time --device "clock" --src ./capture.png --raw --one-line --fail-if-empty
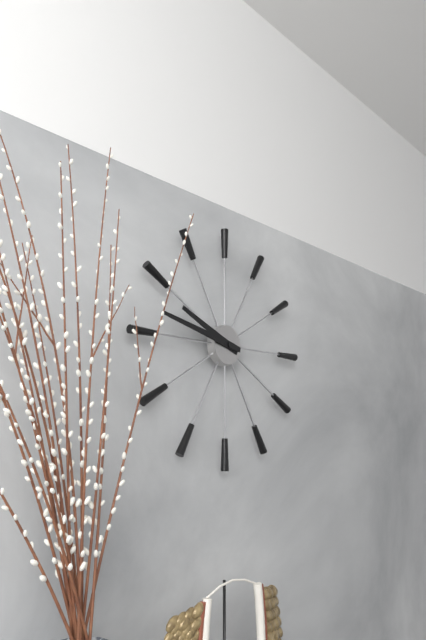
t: 9:47
